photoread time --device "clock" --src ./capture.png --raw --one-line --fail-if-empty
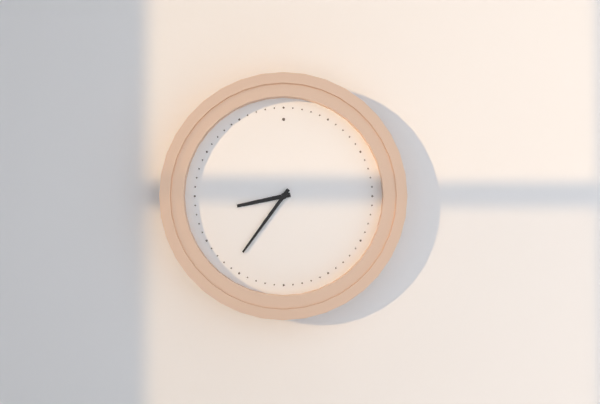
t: 8:36
